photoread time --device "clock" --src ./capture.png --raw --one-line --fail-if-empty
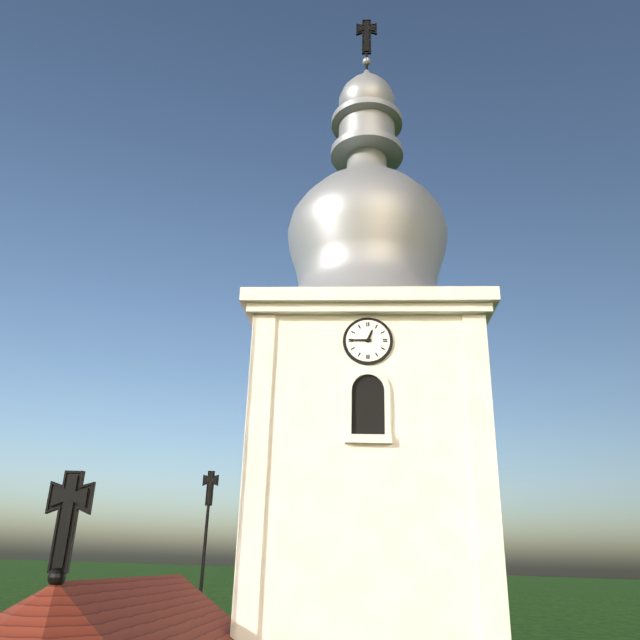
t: 12:45
